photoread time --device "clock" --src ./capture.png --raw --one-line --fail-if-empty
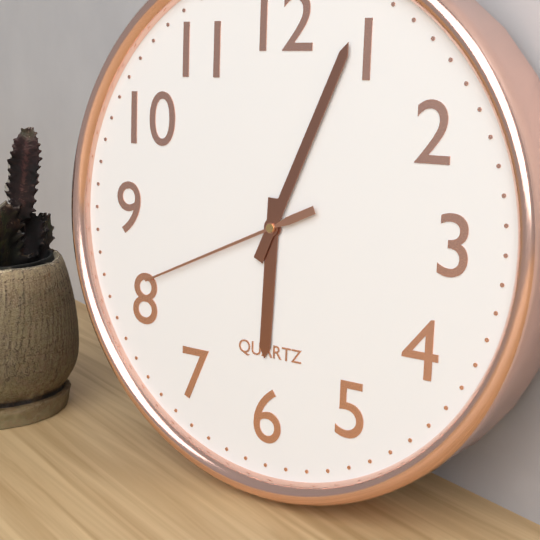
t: 6:04:41
